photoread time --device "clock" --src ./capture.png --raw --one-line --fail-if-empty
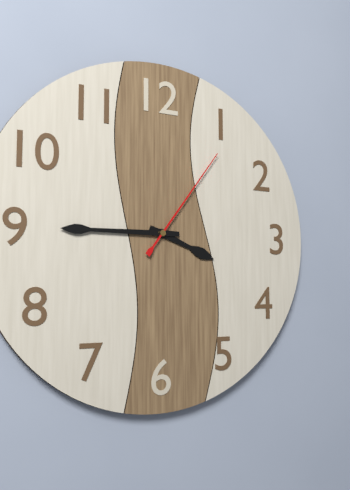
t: 3:45:06
